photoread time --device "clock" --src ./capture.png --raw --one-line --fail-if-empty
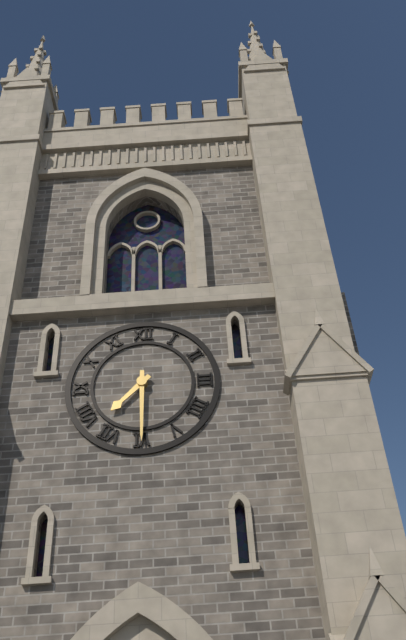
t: 7:30
